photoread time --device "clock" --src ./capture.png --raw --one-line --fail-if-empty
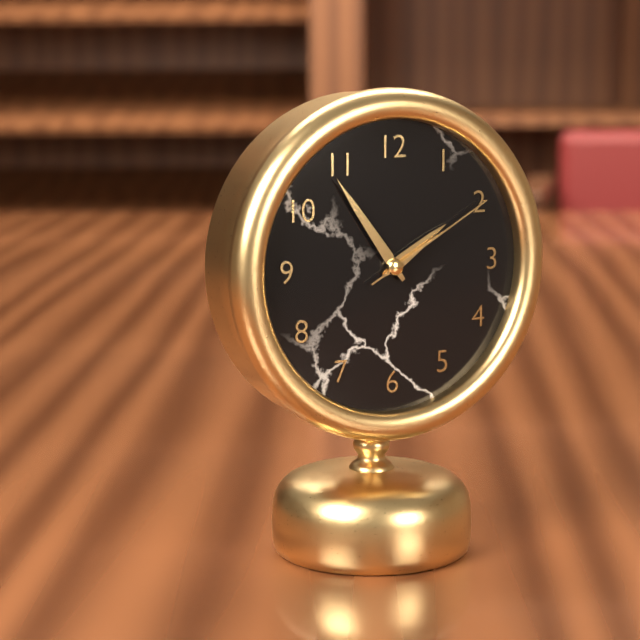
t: 1:54:10
